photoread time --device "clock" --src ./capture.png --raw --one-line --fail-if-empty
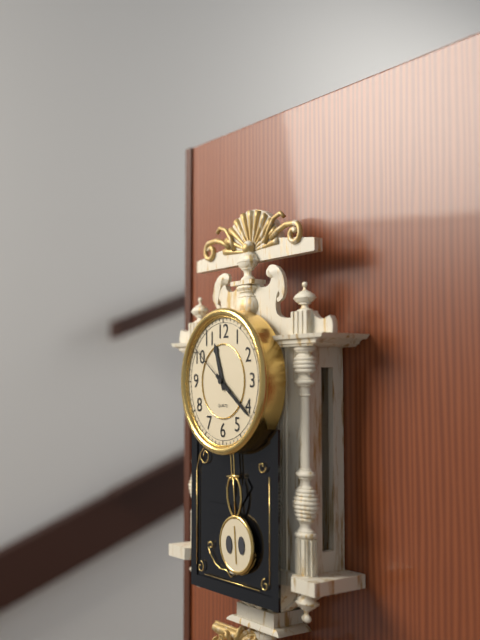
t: 11:21:51
